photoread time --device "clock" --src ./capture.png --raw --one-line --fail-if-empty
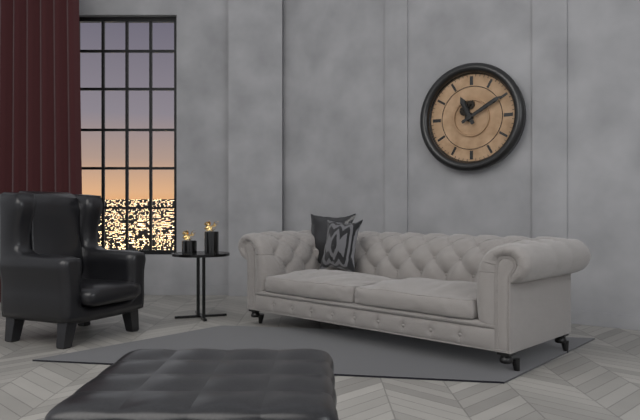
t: 11:10
